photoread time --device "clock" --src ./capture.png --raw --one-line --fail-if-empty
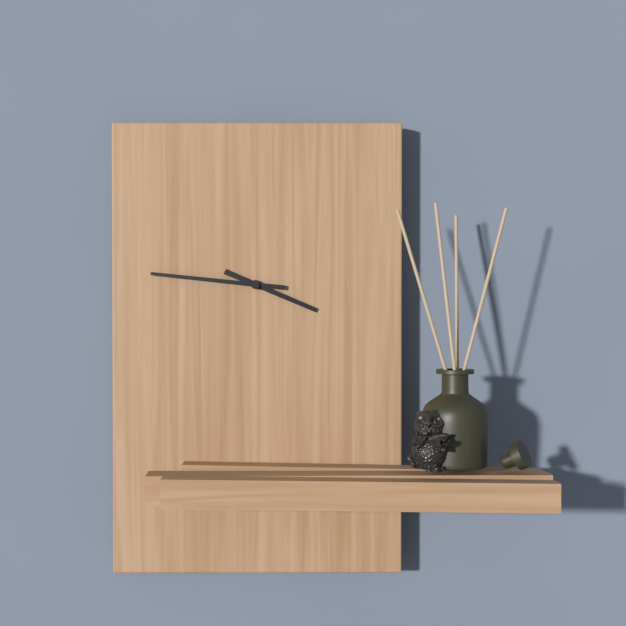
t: 3:46
